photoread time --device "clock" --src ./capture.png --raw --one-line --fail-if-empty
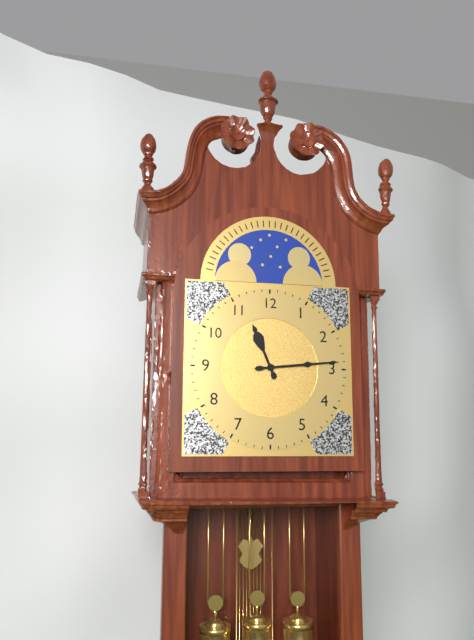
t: 11:14
